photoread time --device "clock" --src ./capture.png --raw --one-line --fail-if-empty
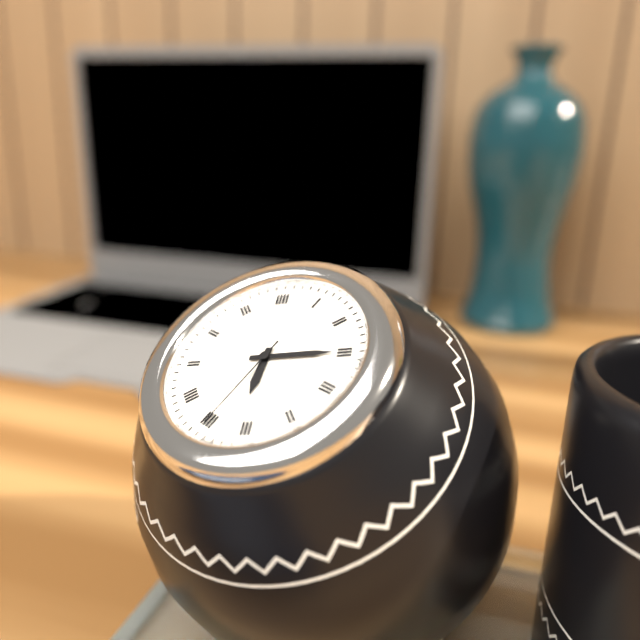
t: 6:15:35
